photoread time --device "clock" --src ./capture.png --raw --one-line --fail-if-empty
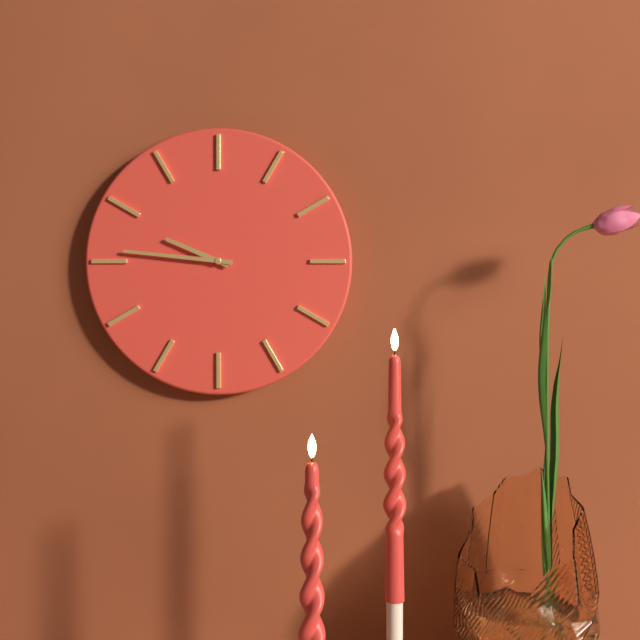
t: 9:46
